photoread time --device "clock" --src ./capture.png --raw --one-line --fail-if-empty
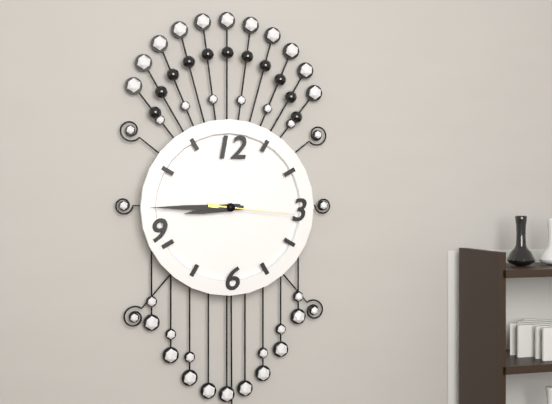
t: 8:45:16
